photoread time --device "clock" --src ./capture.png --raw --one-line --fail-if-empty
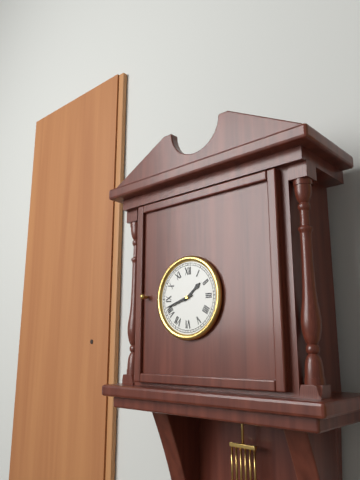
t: 1:42
